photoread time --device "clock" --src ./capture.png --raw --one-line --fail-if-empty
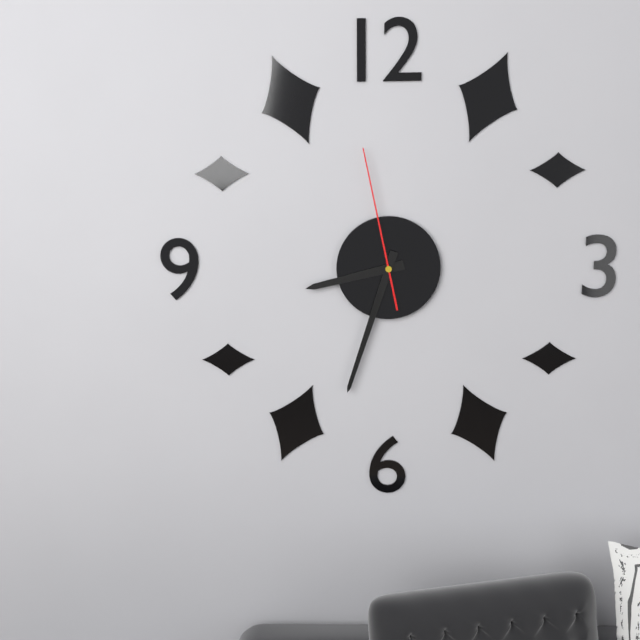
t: 8:33:58
